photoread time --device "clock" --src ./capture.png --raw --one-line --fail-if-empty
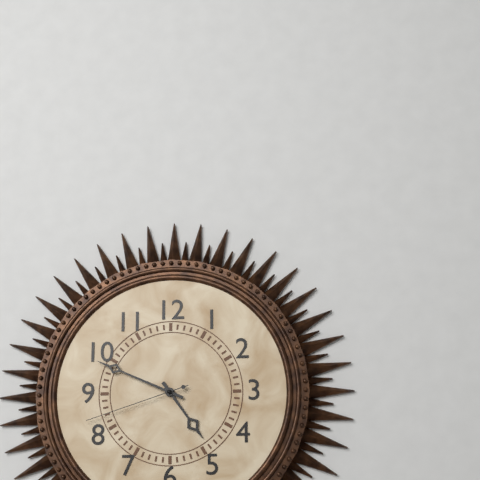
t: 4:49:42
